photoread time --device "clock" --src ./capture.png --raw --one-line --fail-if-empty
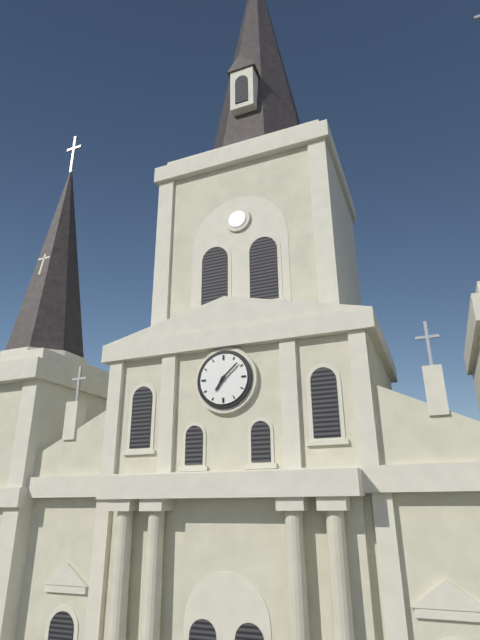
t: 7:08
